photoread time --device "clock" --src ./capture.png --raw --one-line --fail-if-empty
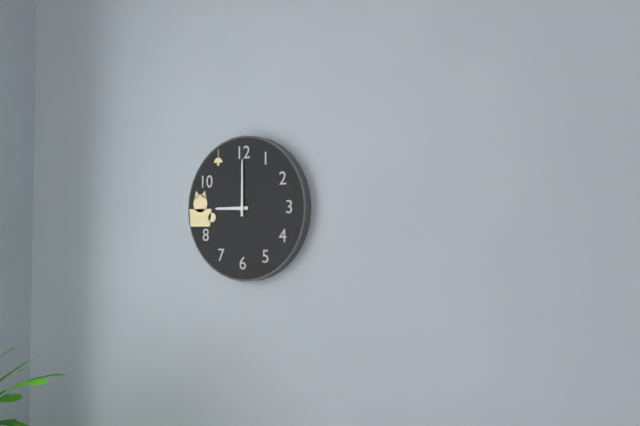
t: 9:00
